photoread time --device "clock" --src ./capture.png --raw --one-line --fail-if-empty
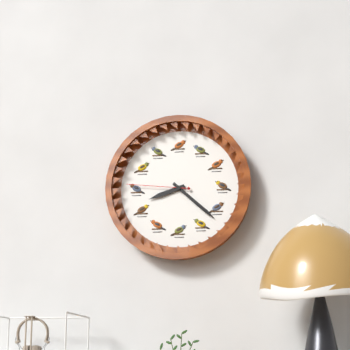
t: 8:22:46
